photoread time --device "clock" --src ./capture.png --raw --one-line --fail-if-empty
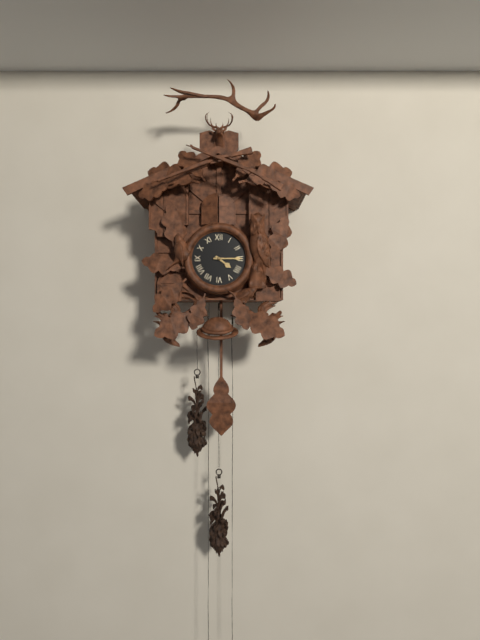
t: 4:15
